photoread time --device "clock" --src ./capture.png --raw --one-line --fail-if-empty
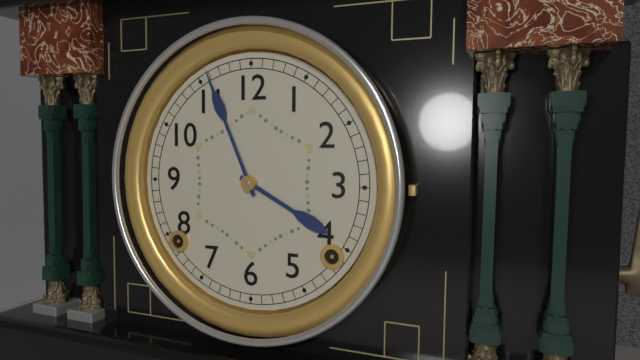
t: 3:56
